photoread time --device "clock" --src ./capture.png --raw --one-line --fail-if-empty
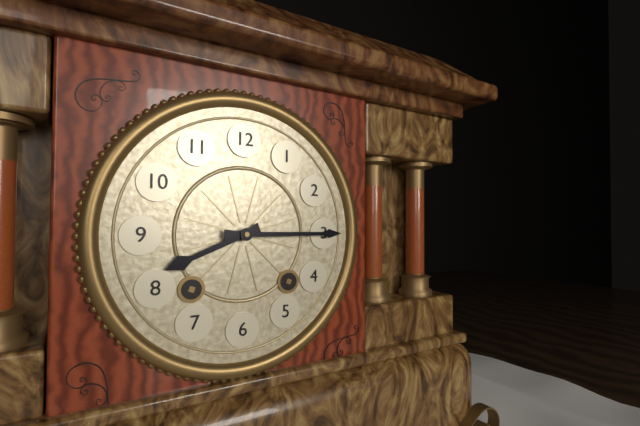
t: 8:15
